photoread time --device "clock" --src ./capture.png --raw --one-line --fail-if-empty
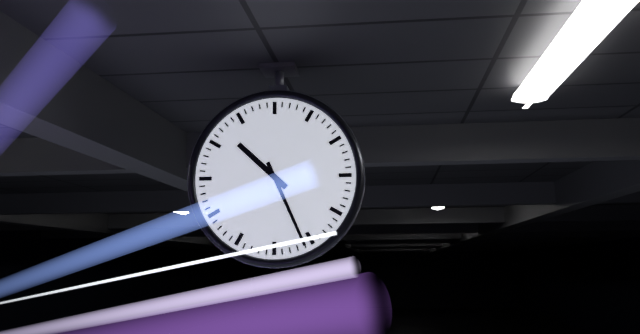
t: 10:26
